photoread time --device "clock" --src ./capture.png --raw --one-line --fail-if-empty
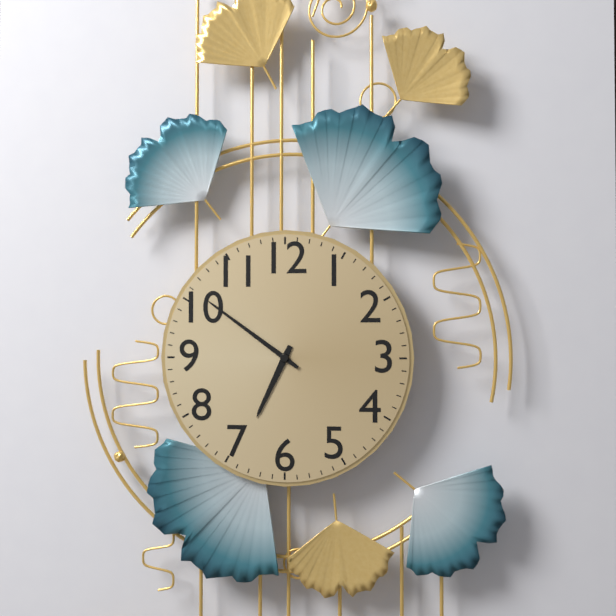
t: 6:51
